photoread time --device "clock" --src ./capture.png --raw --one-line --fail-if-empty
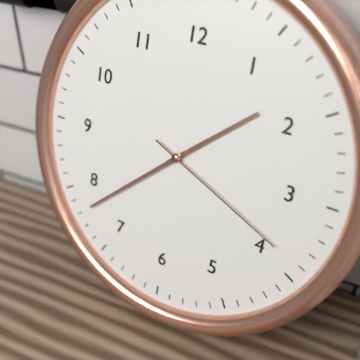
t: 1:38:19
